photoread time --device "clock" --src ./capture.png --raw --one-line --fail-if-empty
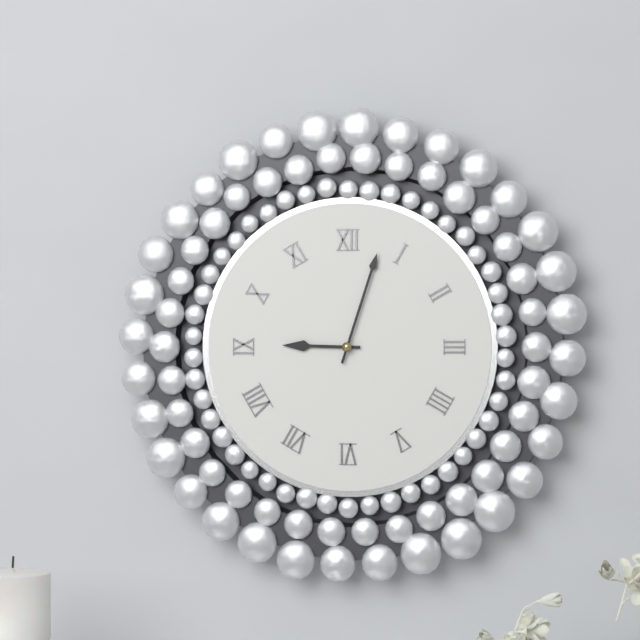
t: 9:03
